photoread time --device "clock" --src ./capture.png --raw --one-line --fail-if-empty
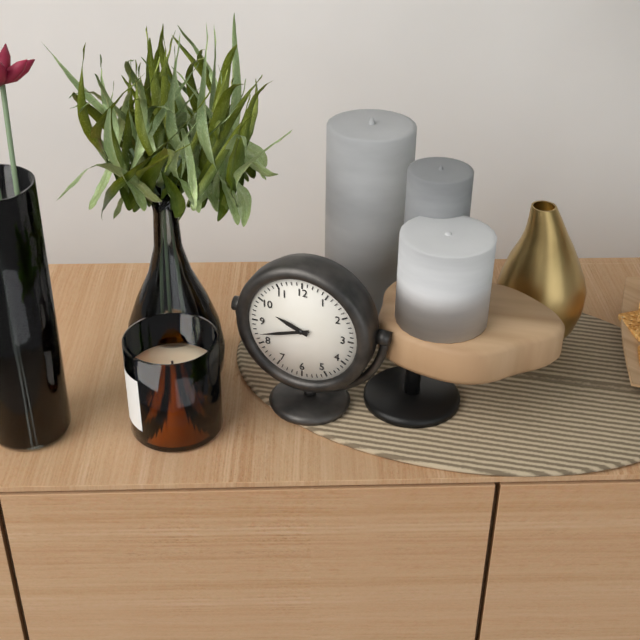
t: 9:42
